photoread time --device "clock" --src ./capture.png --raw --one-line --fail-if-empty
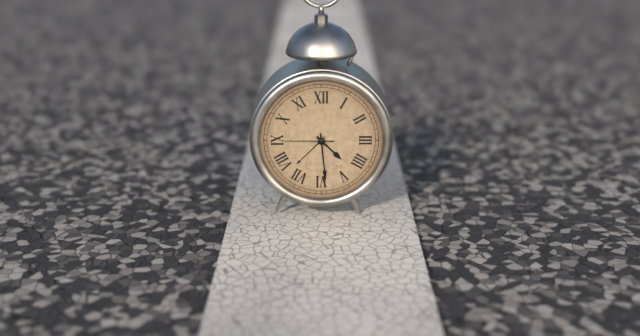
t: 4:29
